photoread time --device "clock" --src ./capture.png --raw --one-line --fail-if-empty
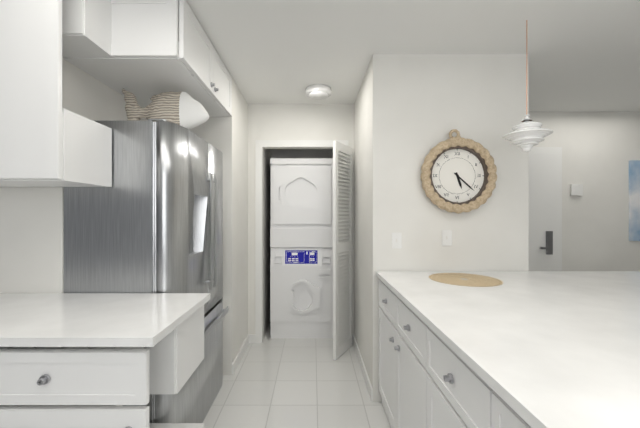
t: 5:22
